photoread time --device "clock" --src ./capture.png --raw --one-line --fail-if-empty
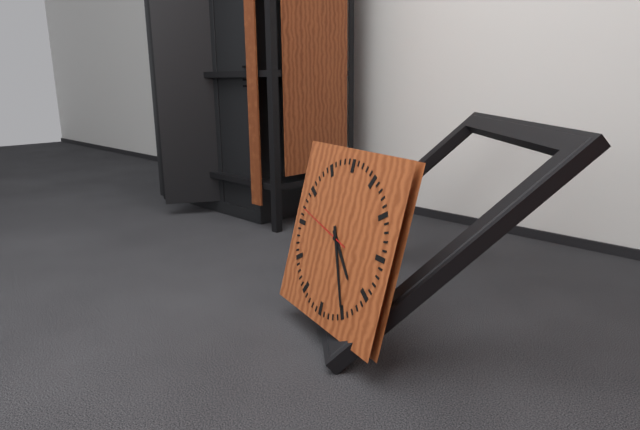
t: 4:25:47
